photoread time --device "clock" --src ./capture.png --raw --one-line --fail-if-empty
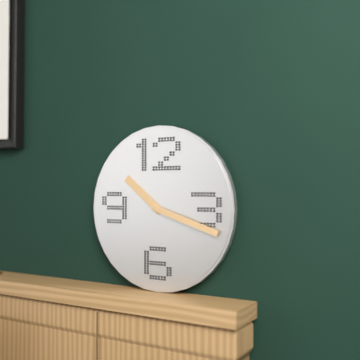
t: 10:18
